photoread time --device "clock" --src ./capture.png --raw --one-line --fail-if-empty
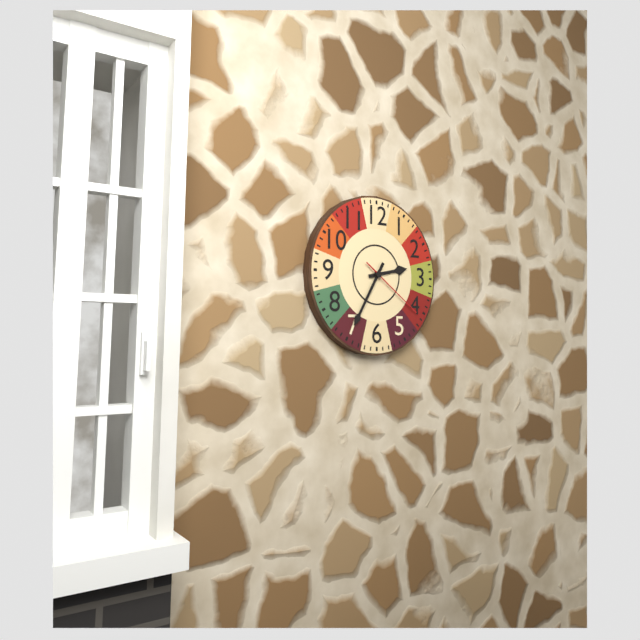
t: 2:35:21
